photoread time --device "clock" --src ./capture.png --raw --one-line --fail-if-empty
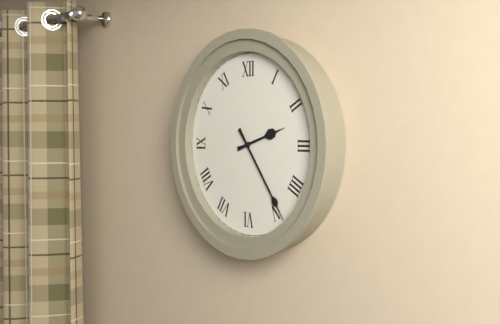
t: 2:24
